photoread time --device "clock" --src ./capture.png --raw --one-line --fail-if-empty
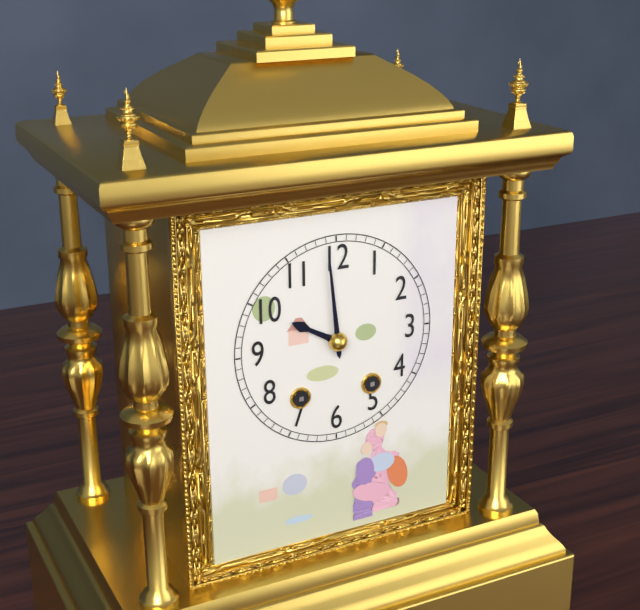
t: 9:59
